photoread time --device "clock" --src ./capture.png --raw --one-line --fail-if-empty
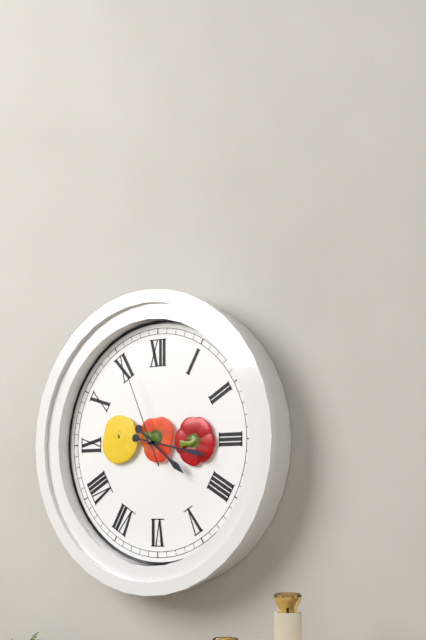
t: 4:17:56
